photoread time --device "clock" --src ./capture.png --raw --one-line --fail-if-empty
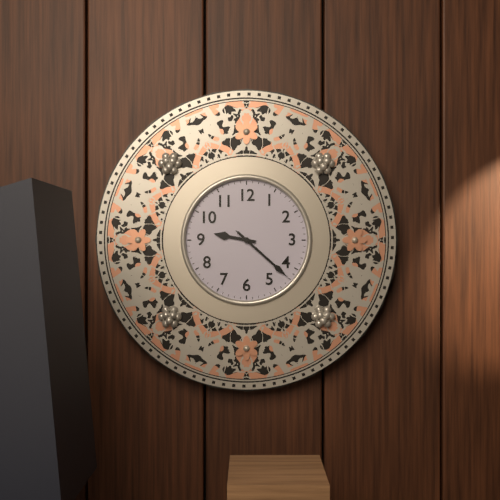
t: 9:22:22
